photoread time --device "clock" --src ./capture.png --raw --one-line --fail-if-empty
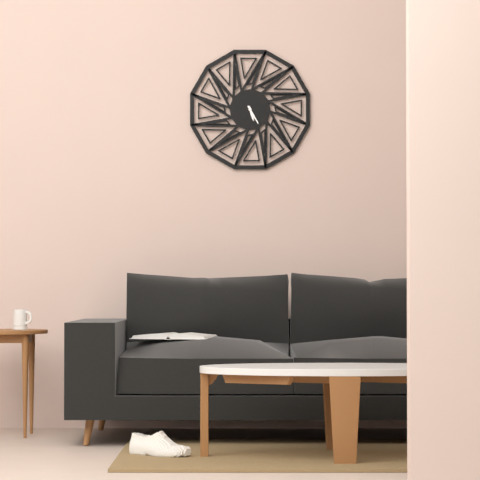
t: 5:25
